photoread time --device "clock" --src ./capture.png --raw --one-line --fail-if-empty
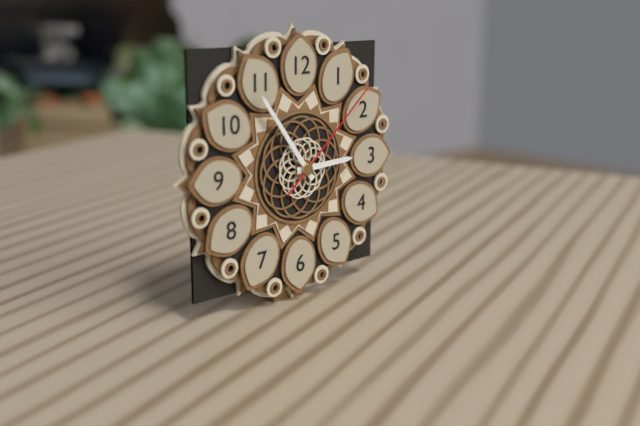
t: 2:54:08
